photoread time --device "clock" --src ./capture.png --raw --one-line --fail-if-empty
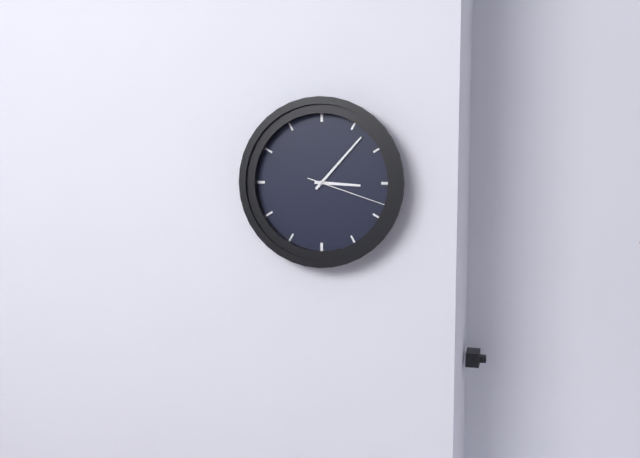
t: 3:07:18
